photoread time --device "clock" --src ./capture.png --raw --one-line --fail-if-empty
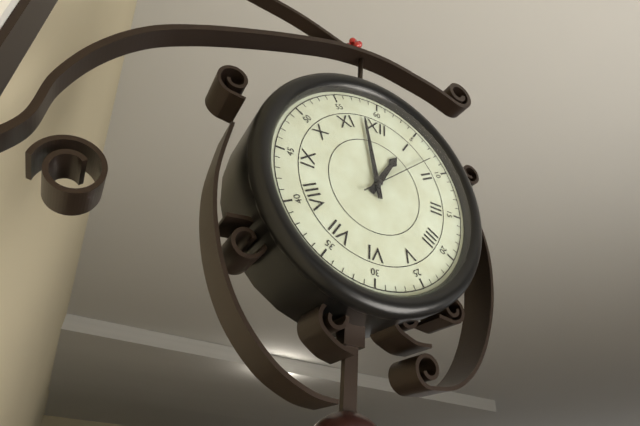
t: 12:58:08
